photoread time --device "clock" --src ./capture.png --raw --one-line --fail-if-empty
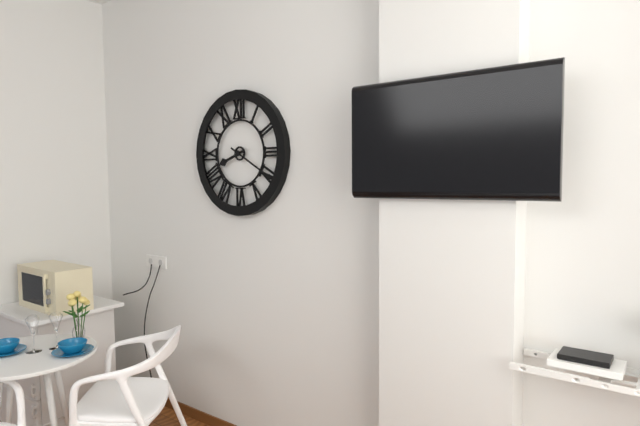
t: 8:20
